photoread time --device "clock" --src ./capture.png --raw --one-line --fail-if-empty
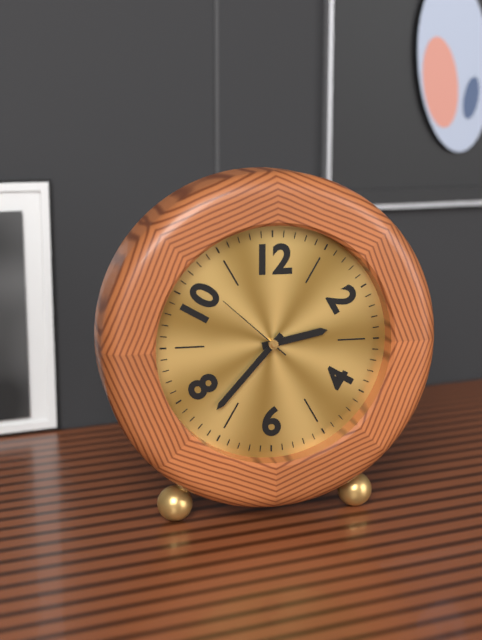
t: 2:37:52
